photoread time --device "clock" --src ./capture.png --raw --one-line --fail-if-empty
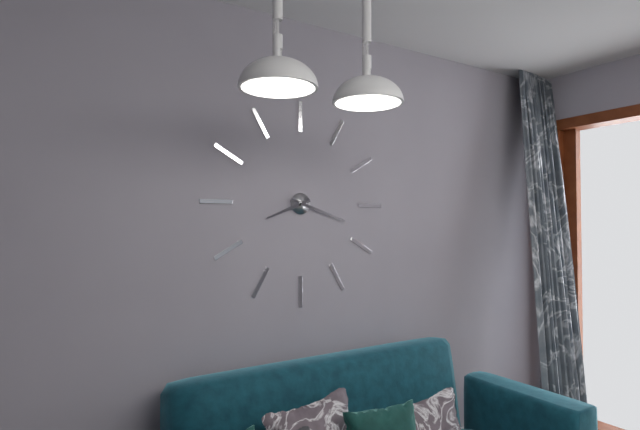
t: 8:18
